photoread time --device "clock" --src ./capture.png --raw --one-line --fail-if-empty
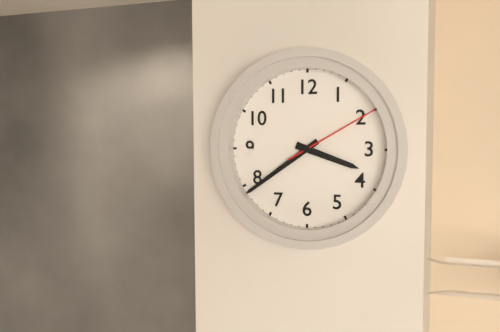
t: 3:39:10
